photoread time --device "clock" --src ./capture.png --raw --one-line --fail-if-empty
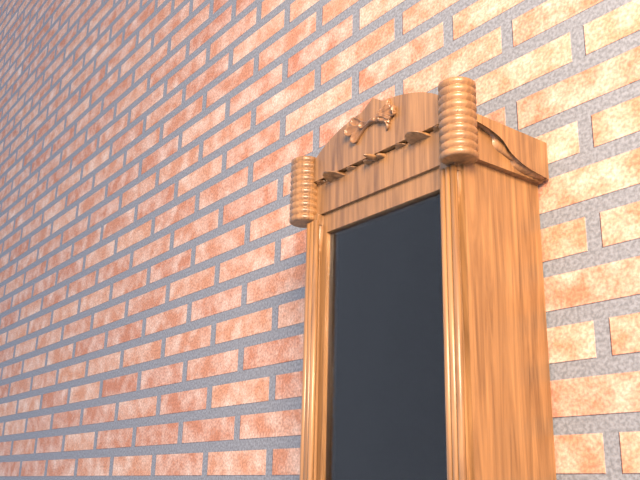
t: 10:33
